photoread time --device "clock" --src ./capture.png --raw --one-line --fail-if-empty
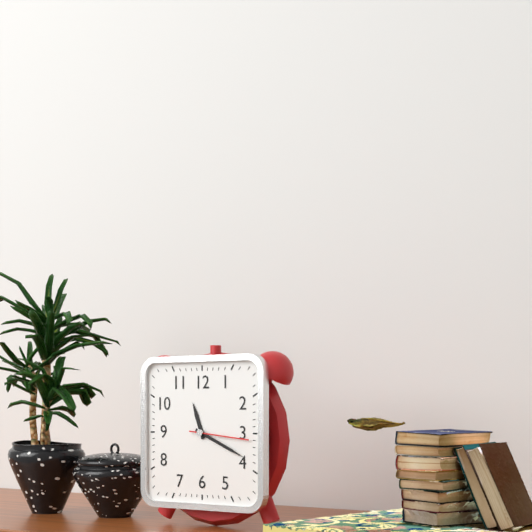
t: 11:19:16
